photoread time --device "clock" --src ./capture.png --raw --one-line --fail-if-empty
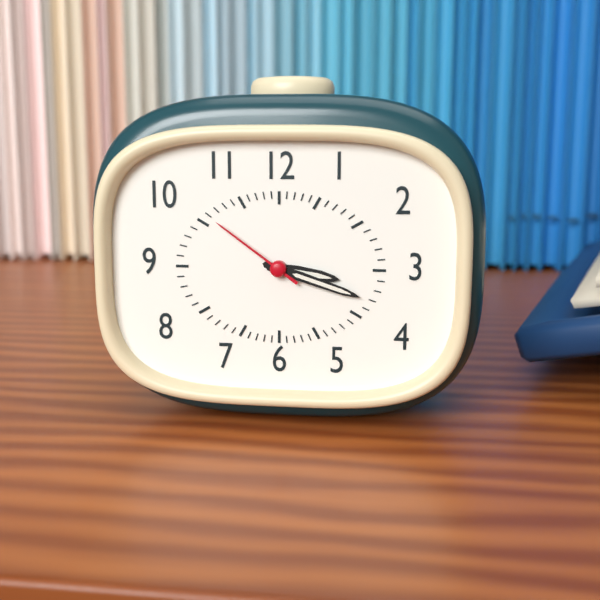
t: 3:18:51
